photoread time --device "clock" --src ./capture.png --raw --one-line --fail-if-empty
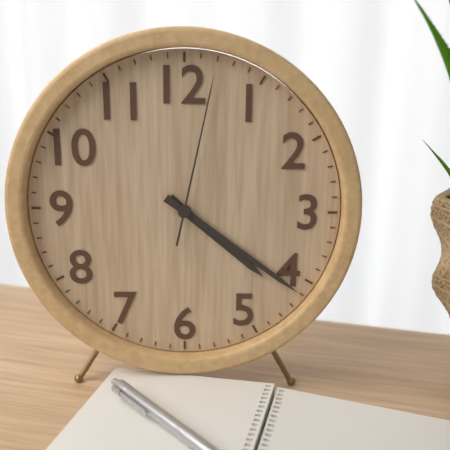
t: 4:21:02
